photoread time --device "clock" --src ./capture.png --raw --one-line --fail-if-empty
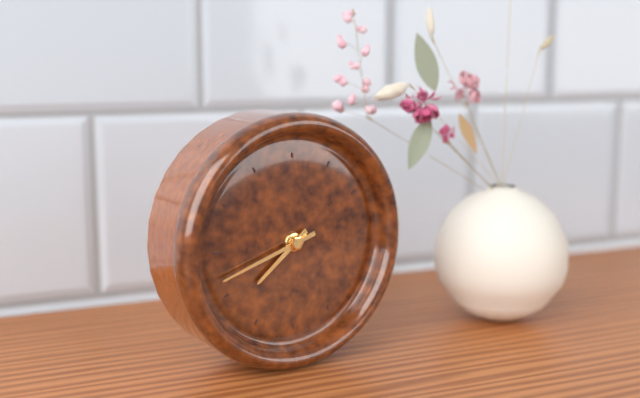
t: 7:42
